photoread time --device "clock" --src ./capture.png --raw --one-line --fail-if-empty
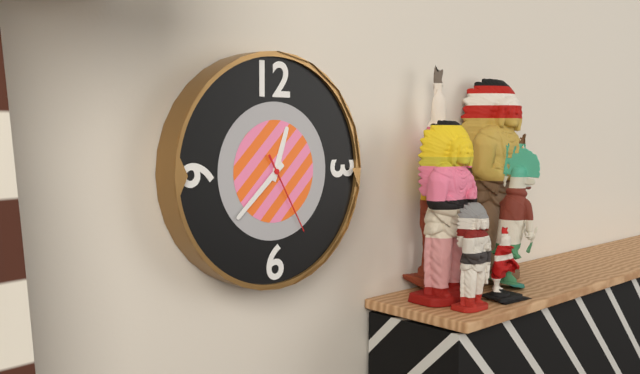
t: 12:38:25
